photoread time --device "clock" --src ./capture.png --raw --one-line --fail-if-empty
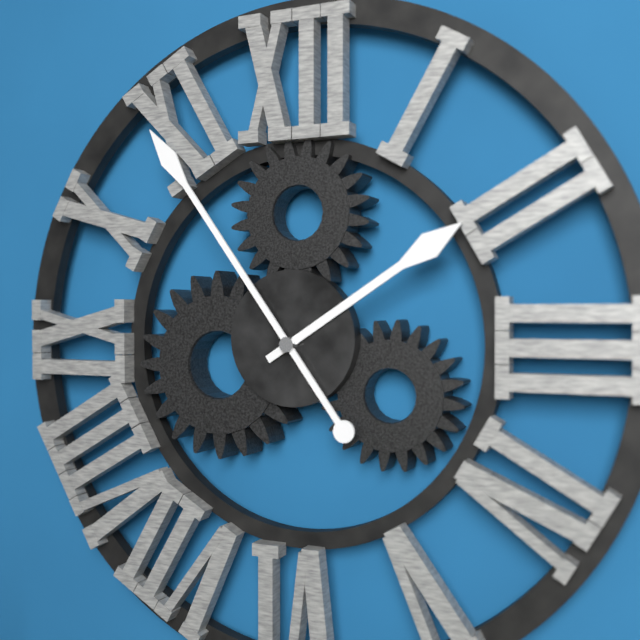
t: 1:54
